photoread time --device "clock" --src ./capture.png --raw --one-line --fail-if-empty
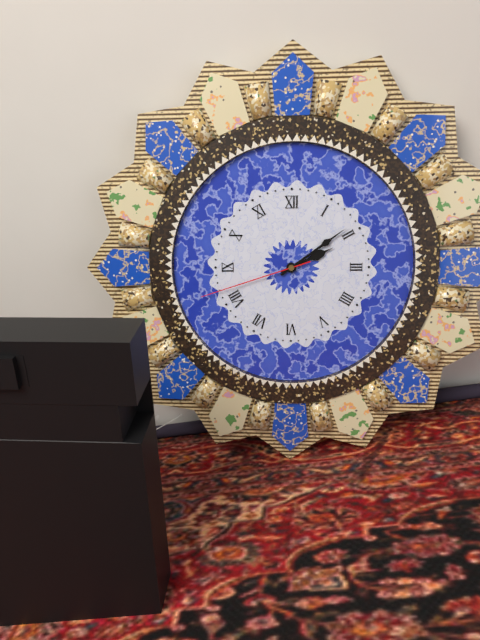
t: 2:09:42
